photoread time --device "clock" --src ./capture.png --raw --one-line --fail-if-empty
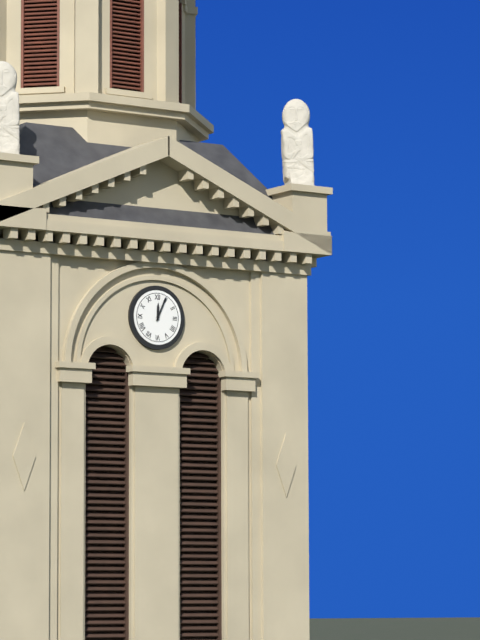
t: 12:04
